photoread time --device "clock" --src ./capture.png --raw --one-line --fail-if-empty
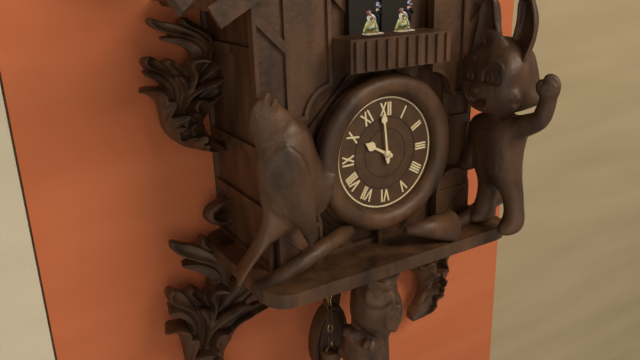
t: 9:59
